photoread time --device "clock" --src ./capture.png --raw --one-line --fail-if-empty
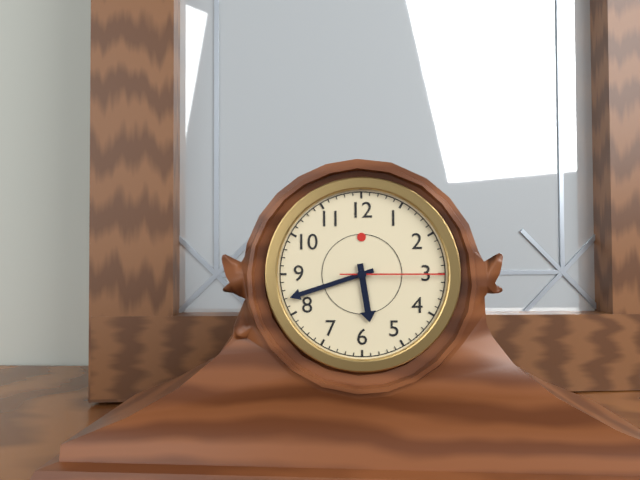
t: 5:42:15
